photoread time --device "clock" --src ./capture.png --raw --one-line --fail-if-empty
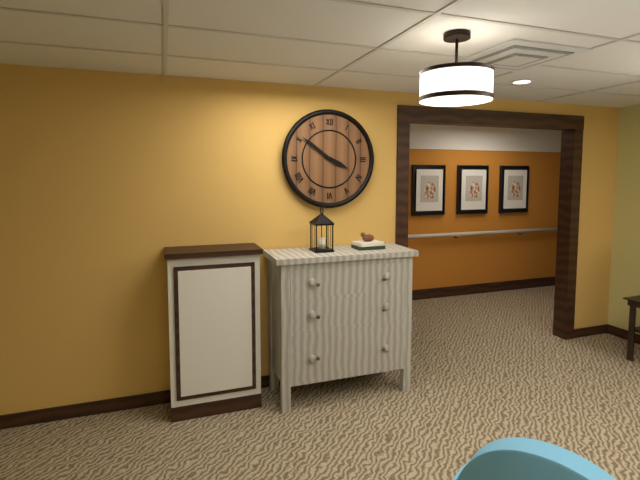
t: 3:51
